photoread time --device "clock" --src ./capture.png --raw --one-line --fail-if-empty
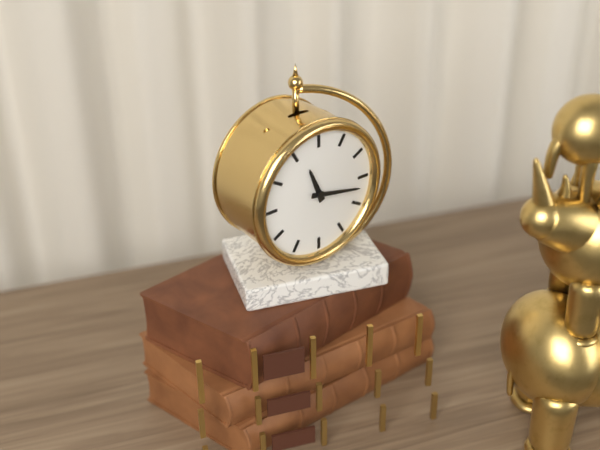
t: 11:17
